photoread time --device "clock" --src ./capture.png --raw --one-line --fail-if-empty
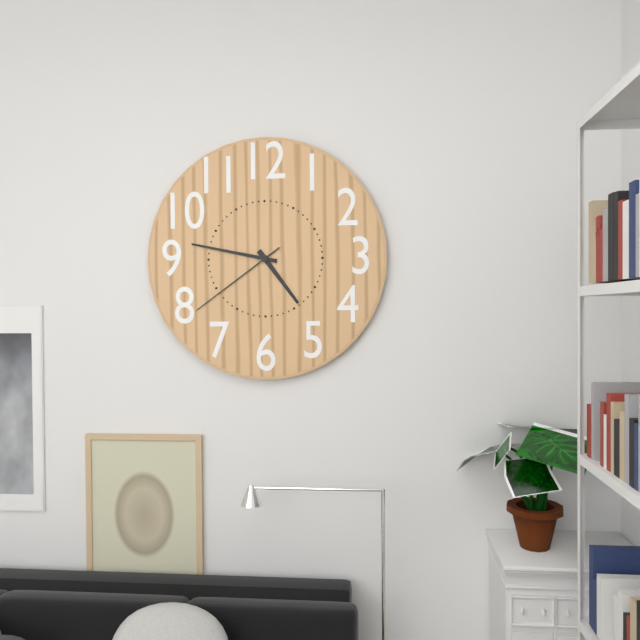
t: 4:47:39
